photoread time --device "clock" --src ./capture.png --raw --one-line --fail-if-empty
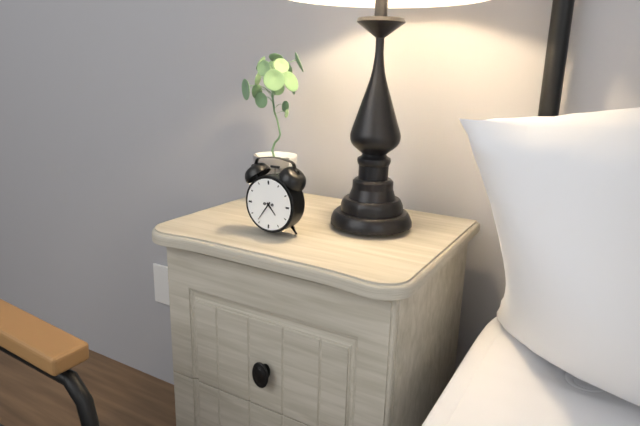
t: 4:36
